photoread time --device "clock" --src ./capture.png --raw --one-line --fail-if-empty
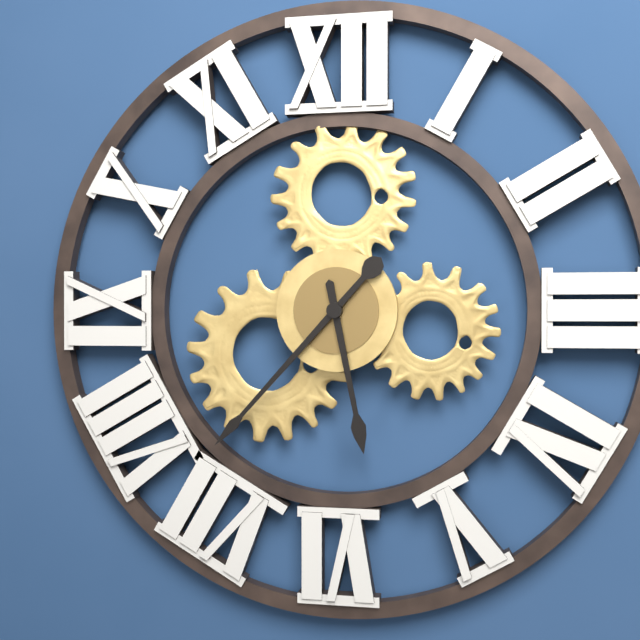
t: 5:37
